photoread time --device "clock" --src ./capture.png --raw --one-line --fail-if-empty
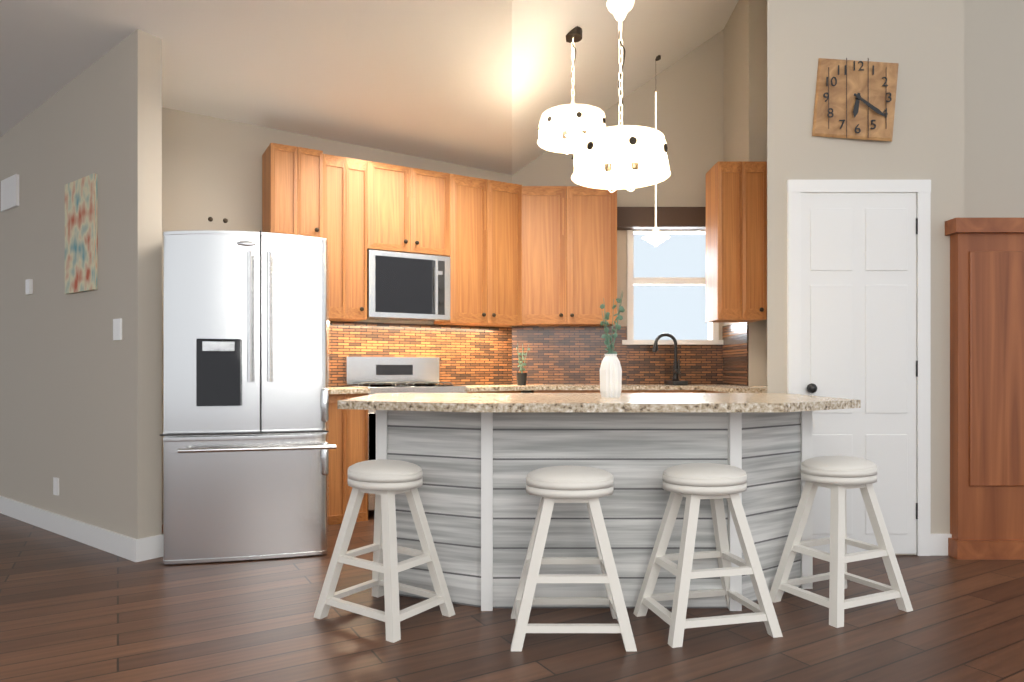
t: 6:21
